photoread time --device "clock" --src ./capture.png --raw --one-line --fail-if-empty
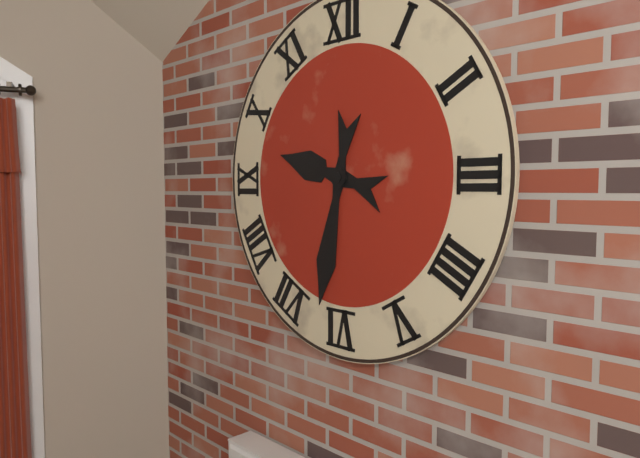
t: 9:32
